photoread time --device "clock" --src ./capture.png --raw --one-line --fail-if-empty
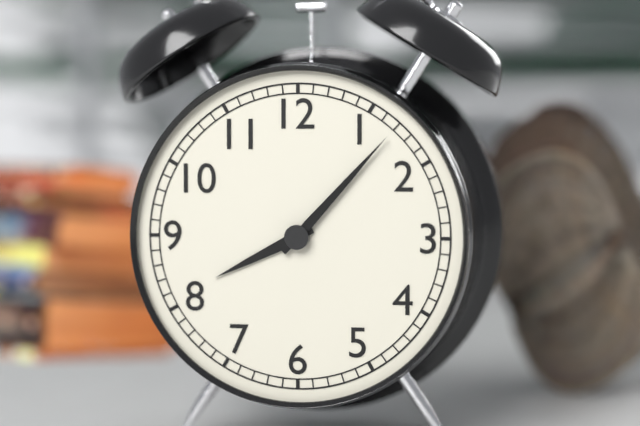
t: 8:07
